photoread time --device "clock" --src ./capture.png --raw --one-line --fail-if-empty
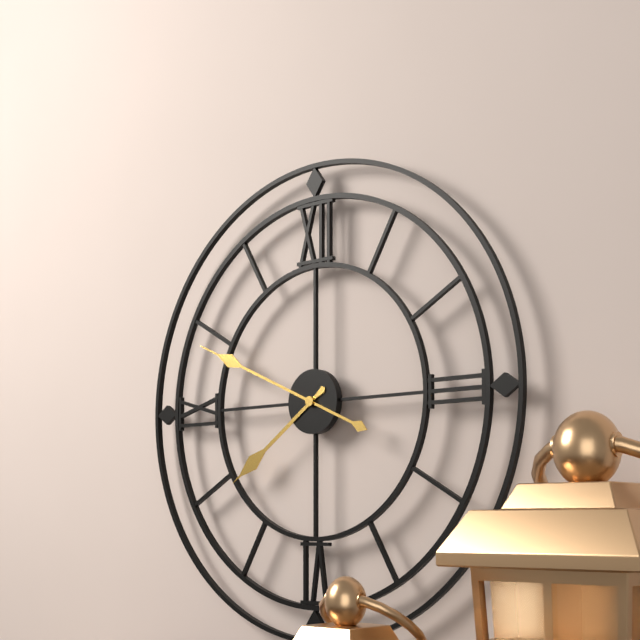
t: 7:49
